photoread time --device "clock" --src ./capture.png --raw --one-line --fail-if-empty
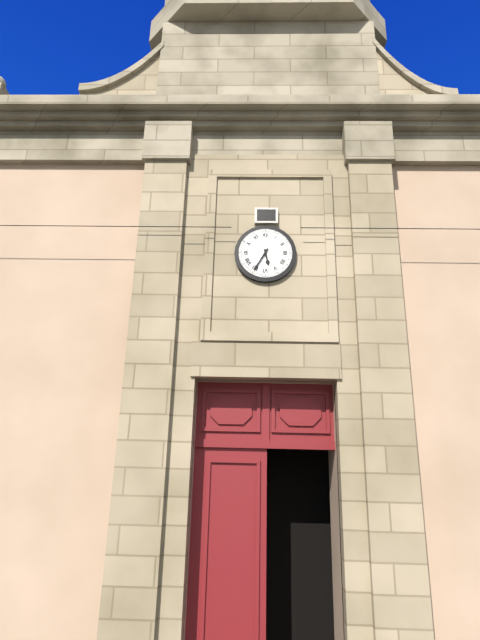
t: 5:35
